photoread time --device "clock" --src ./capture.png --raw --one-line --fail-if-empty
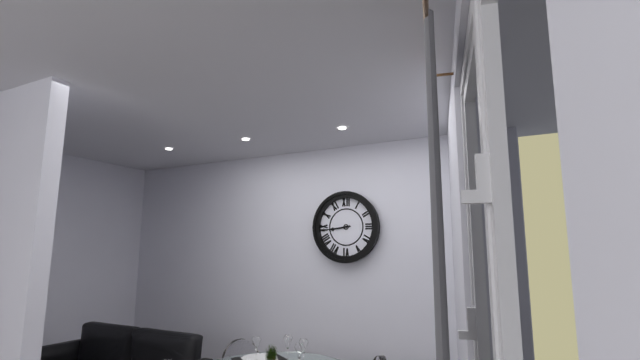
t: 8:44
